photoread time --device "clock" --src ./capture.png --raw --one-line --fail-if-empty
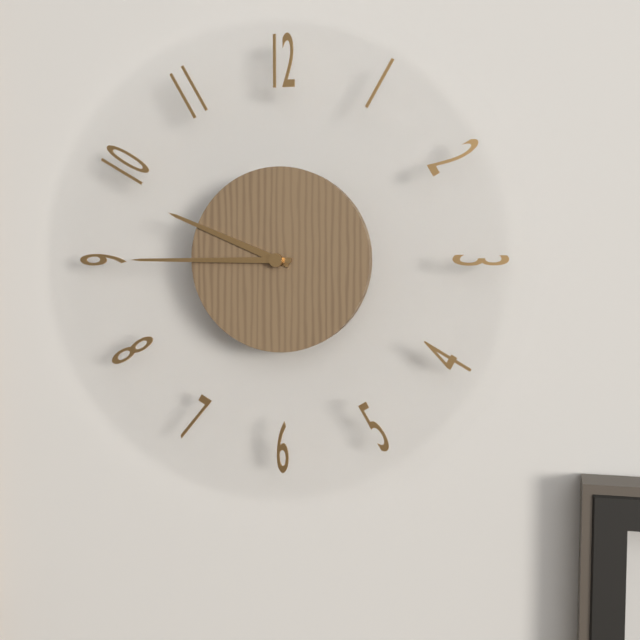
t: 9:45
